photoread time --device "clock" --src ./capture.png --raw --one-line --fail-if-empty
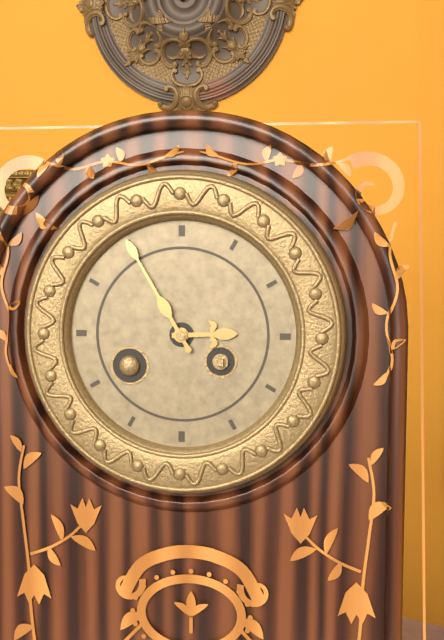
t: 2:55
